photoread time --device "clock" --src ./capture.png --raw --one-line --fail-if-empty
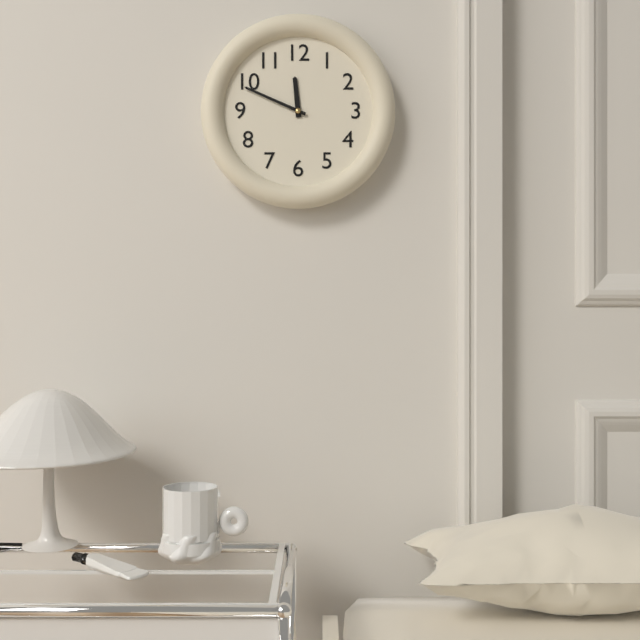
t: 11:49
